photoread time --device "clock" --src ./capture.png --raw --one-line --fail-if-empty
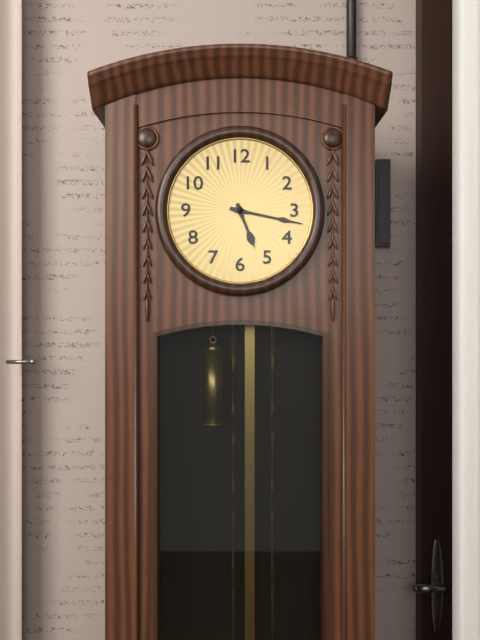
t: 5:17
